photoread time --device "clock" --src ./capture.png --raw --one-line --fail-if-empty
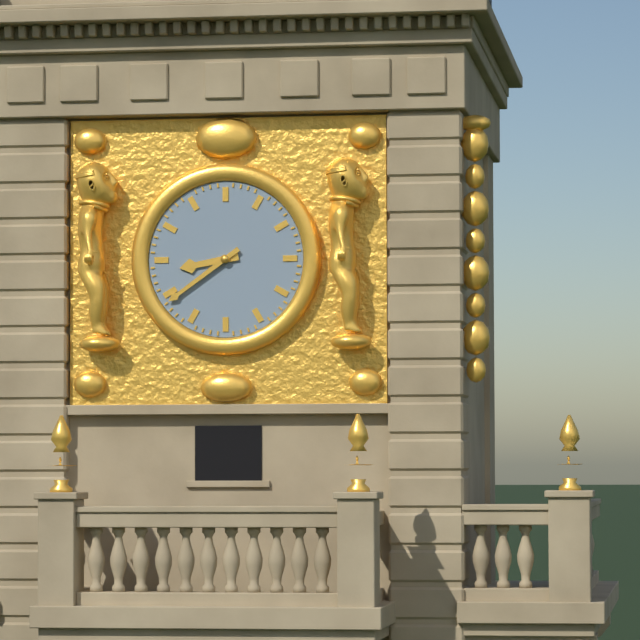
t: 8:39
